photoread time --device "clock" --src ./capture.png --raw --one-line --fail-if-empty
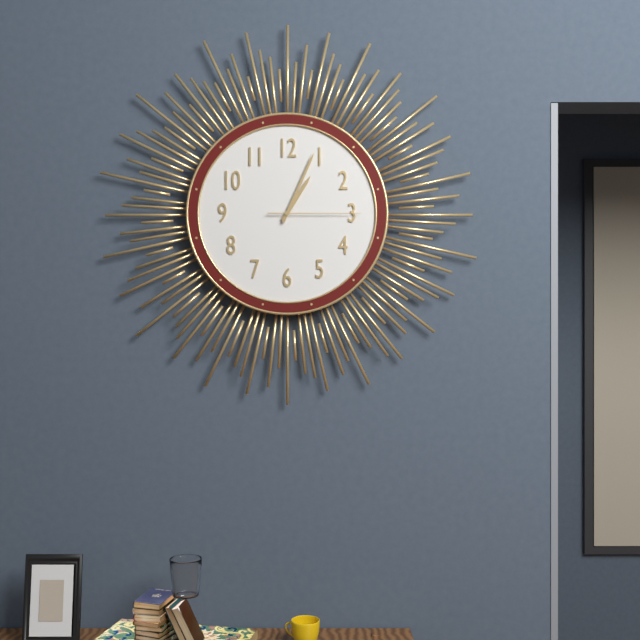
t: 1:04:15
